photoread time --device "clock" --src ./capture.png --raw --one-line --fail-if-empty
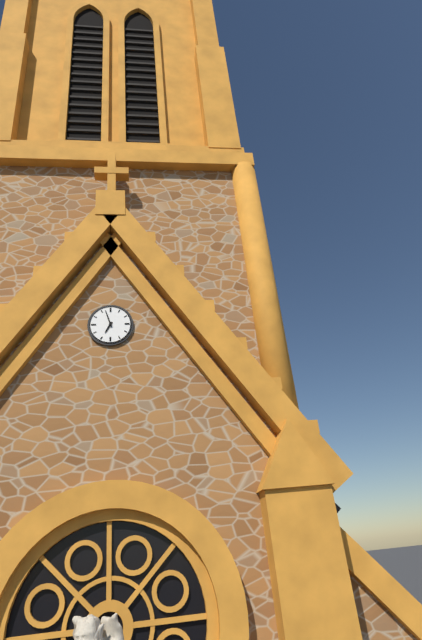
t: 6:57
